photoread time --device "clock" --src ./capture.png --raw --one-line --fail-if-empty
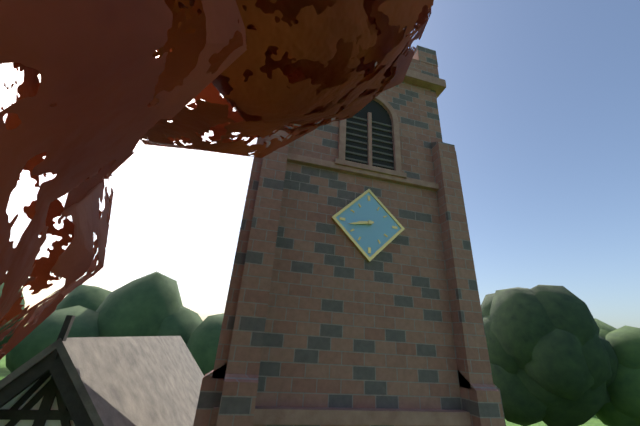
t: 8:43
